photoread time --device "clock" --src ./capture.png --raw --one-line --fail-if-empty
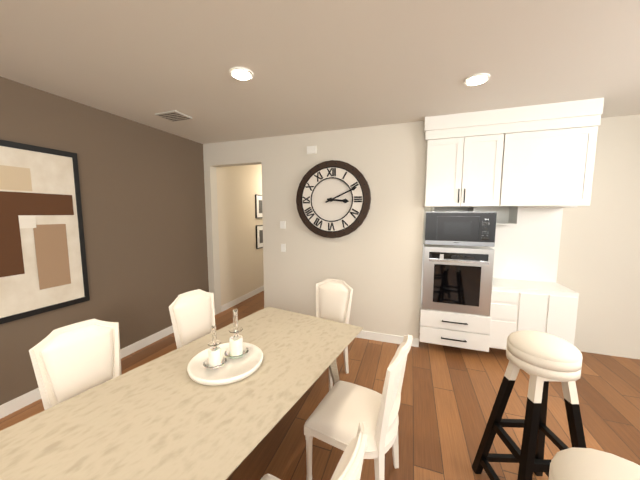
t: 3:11
